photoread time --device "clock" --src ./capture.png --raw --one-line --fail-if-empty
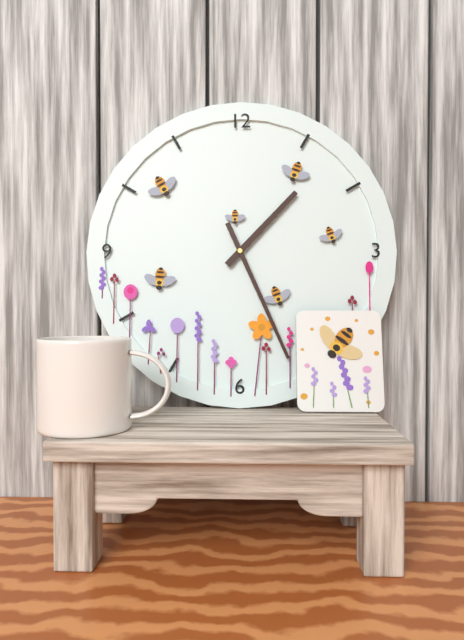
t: 1:26
